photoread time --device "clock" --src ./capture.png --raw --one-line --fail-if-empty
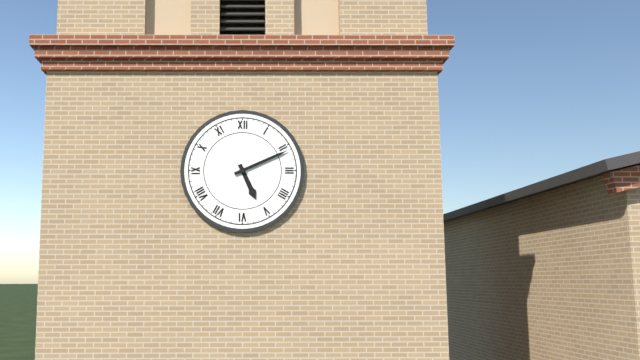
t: 5:11
